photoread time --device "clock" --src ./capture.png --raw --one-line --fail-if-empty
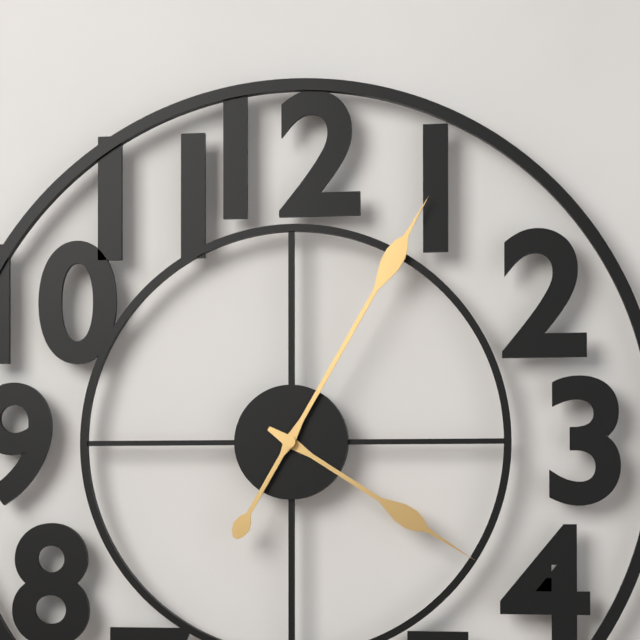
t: 4:05
